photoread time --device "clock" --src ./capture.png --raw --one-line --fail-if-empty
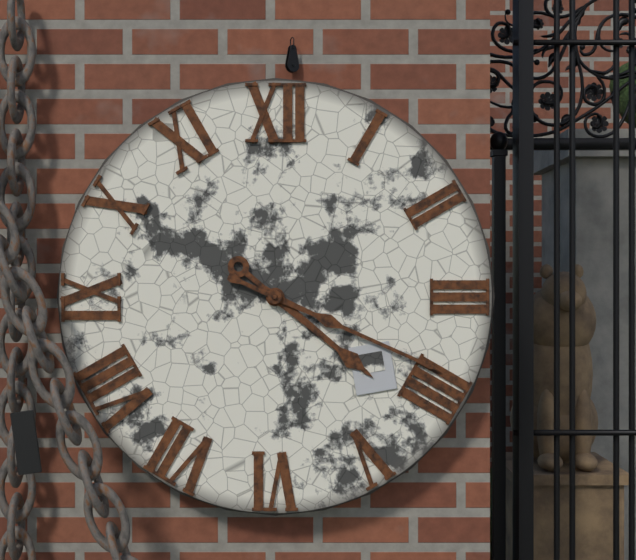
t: 4:19
